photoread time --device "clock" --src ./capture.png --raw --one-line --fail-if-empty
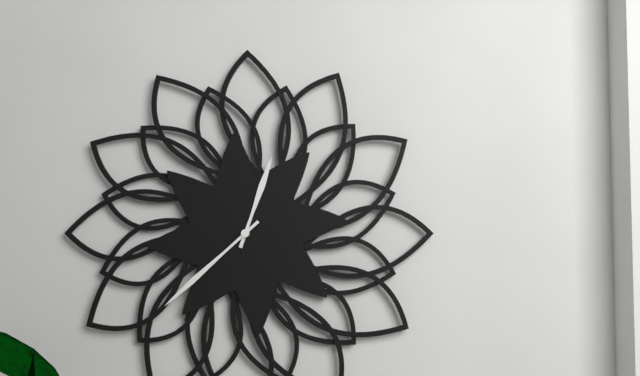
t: 12:38
